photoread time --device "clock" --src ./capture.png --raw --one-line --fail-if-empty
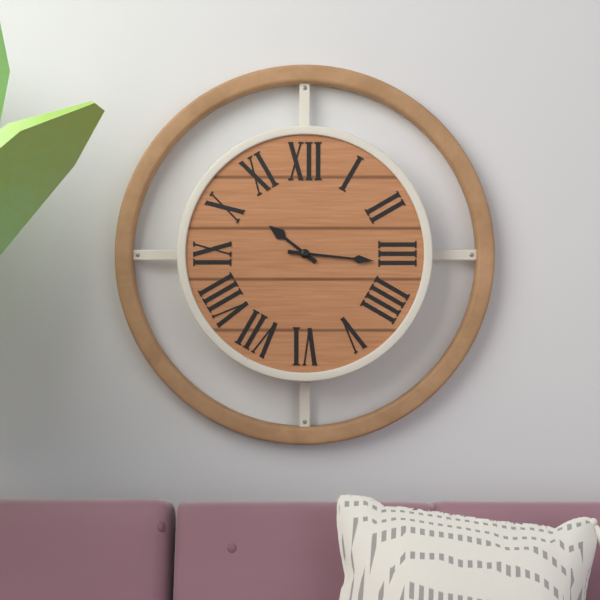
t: 10:16
